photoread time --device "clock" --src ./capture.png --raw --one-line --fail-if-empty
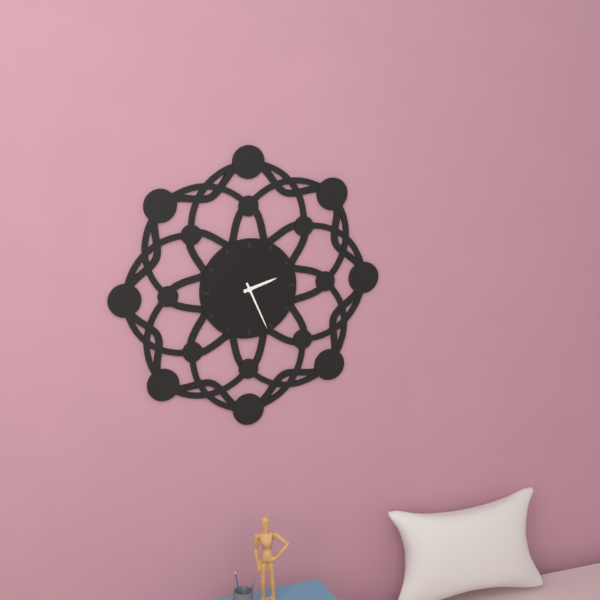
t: 2:26
